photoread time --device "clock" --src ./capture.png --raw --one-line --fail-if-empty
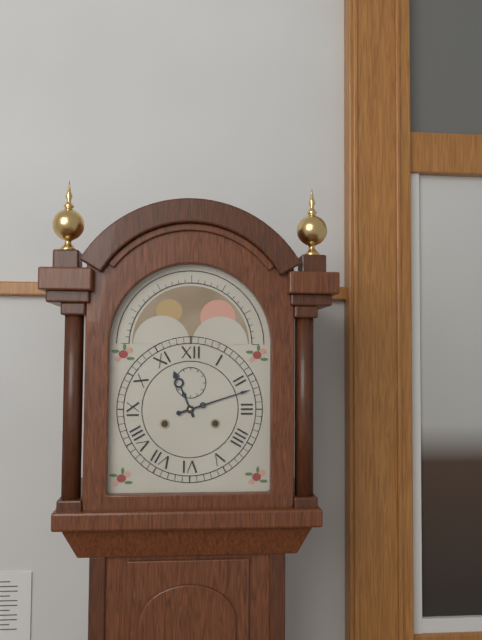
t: 11:12
